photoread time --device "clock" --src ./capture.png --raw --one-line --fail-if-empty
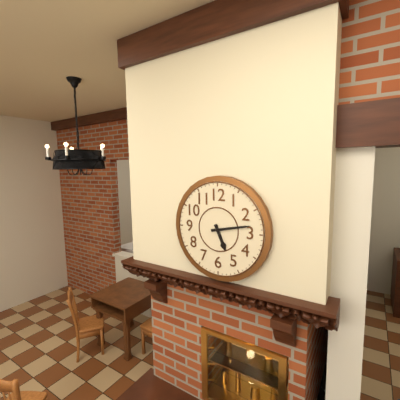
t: 5:13
